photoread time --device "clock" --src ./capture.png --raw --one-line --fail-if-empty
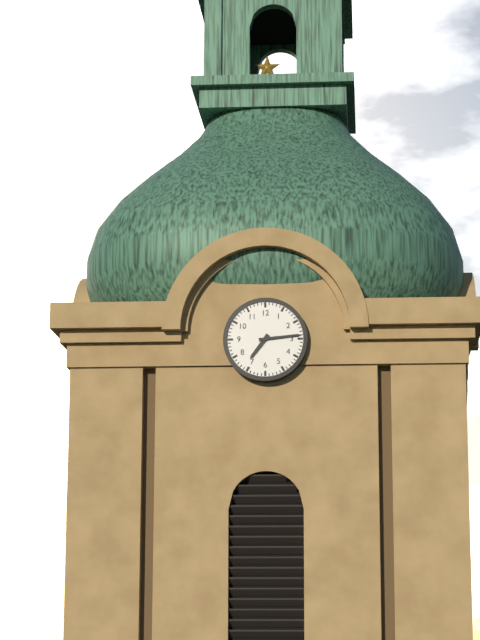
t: 7:14
